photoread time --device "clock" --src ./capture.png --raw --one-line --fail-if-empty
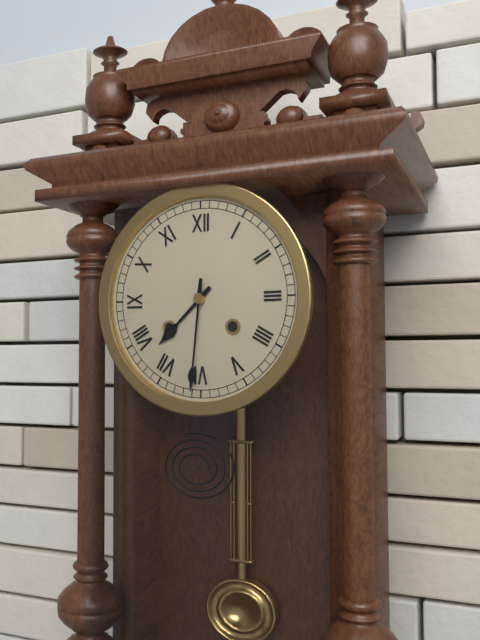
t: 7:31
